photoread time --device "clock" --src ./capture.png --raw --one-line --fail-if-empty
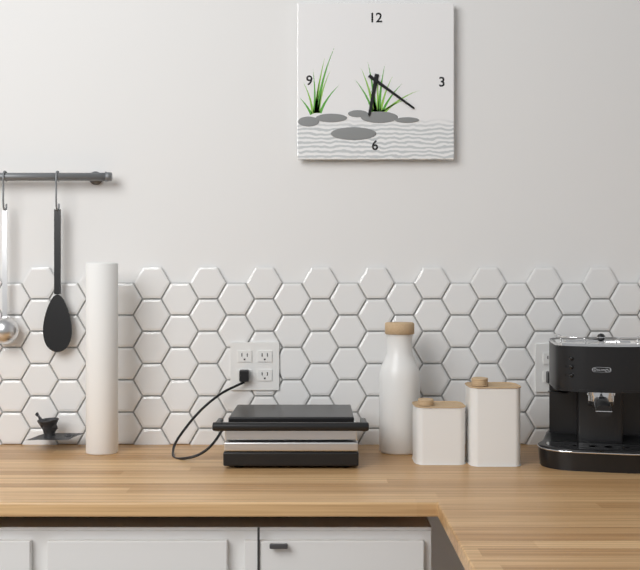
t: 6:21
